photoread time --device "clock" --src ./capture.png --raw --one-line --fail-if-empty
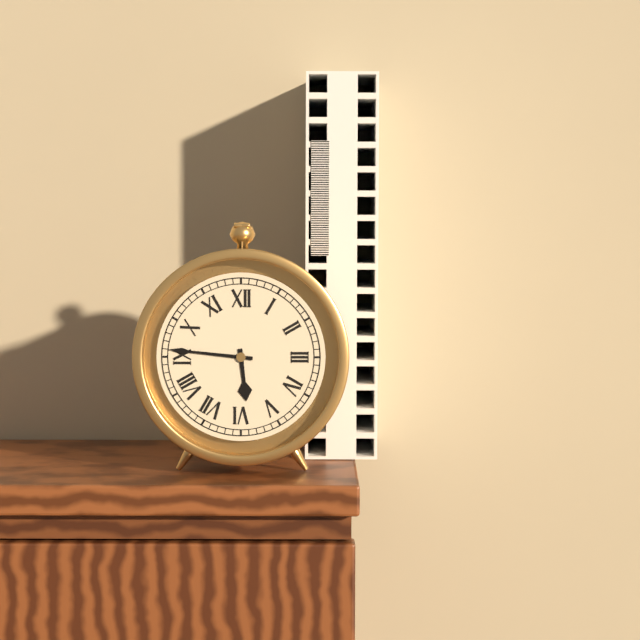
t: 5:46
